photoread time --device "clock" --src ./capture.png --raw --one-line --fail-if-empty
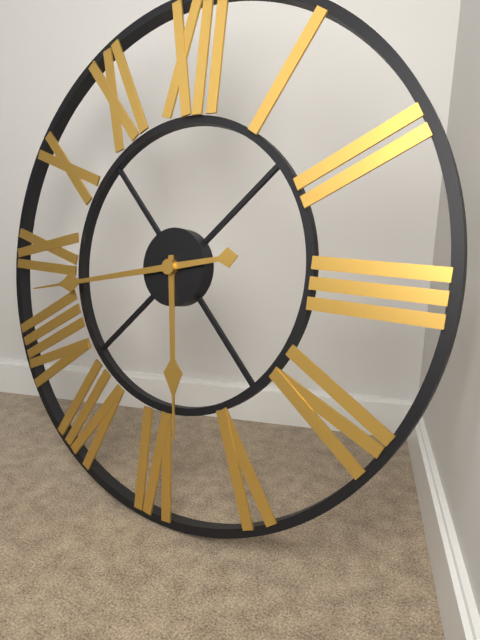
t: 5:43
